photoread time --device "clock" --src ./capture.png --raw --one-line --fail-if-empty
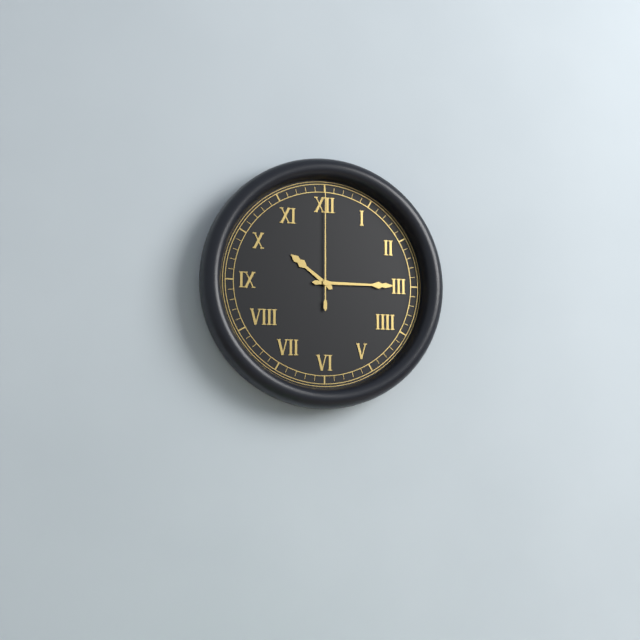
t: 10:15:00
